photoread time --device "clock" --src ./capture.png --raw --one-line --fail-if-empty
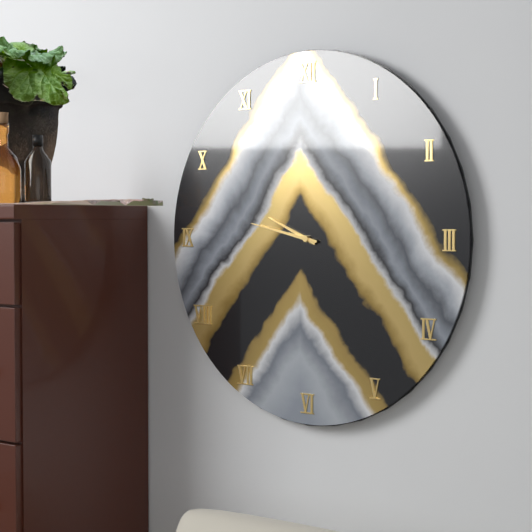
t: 9:47
